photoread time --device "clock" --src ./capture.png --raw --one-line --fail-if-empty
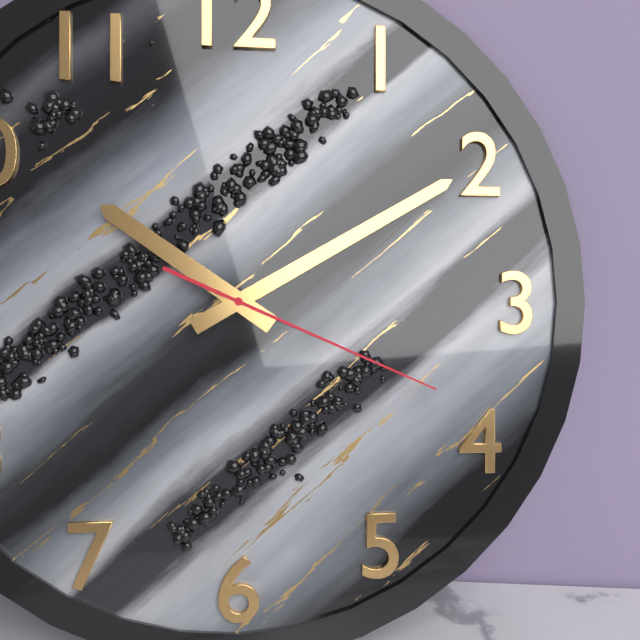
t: 10:10:19
